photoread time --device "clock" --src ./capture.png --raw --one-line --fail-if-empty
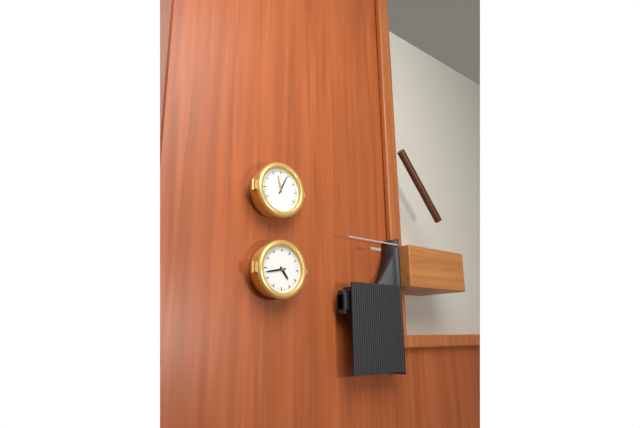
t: 4:43
